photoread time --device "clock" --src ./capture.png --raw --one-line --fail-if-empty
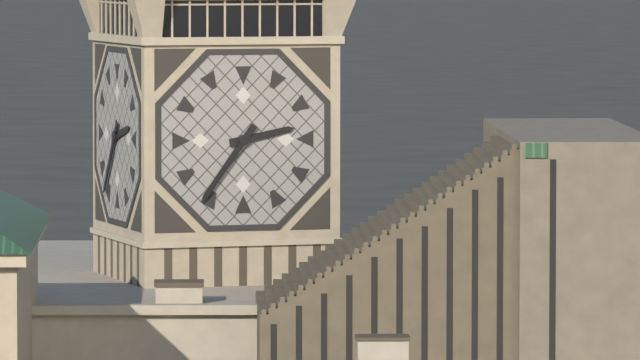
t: 2:36
